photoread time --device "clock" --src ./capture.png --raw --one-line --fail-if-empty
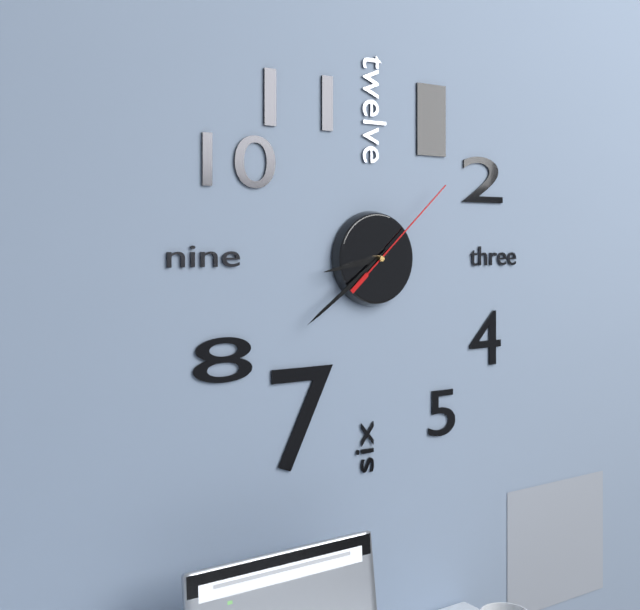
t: 8:39:08
